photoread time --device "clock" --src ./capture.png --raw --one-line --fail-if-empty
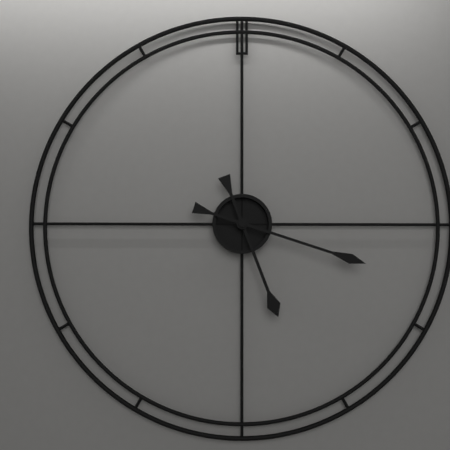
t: 5:18
